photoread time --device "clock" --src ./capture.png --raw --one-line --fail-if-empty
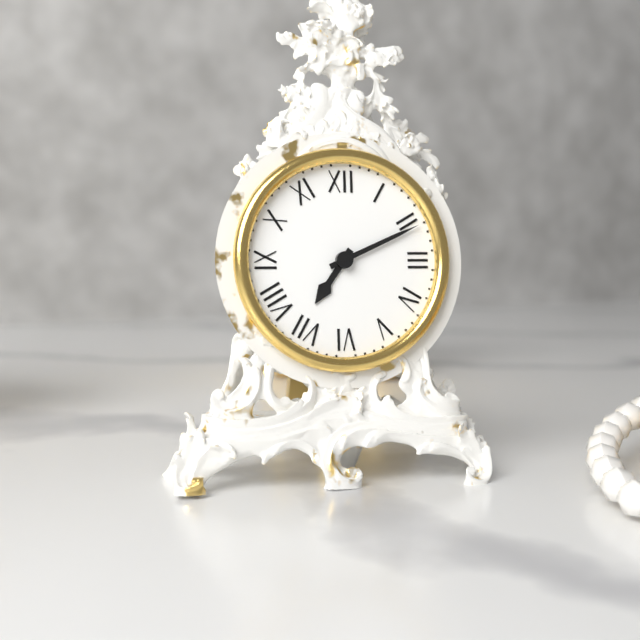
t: 7:11
